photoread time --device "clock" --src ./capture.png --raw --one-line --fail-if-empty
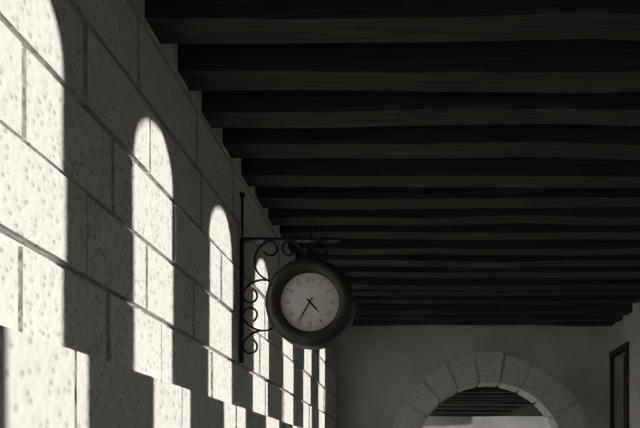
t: 4:35
